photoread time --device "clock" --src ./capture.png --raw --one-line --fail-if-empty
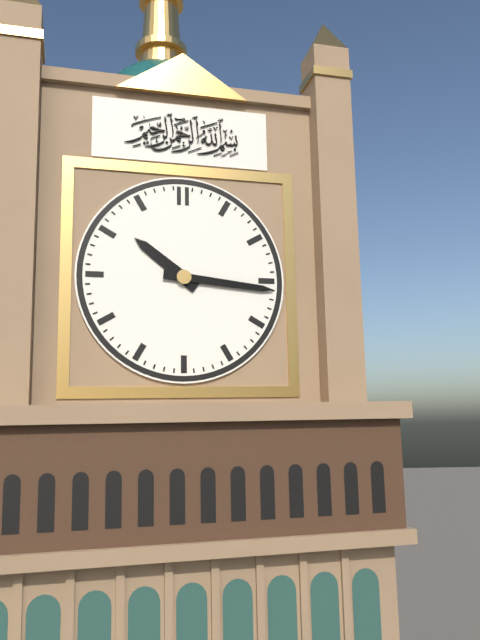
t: 10:16
